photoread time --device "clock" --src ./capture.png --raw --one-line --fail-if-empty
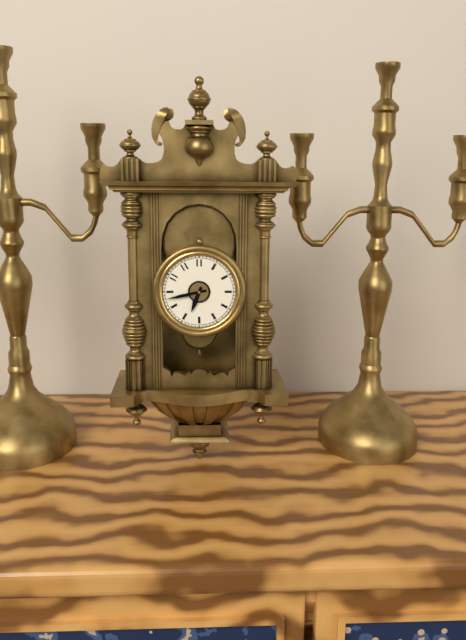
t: 6:43
